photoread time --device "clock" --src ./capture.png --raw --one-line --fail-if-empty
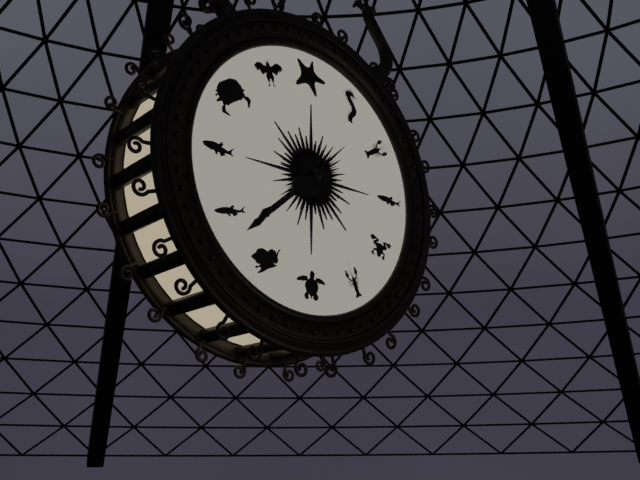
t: 7:38
